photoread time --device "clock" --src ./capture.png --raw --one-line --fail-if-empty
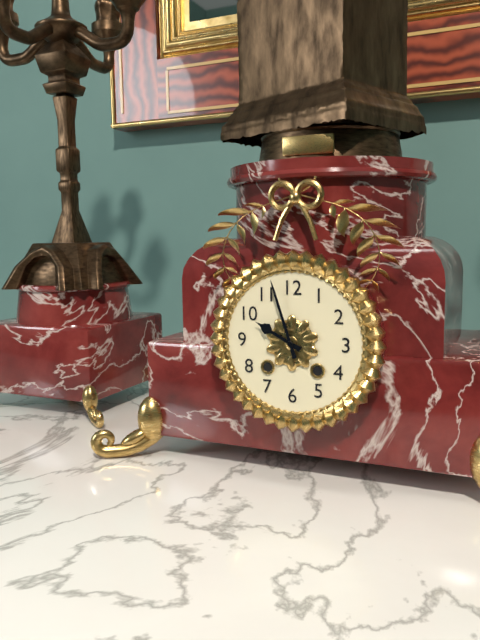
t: 9:57
